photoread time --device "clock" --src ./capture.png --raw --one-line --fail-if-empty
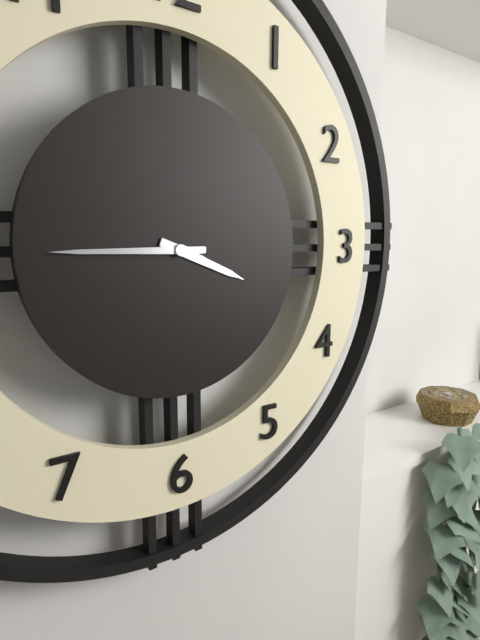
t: 3:45
